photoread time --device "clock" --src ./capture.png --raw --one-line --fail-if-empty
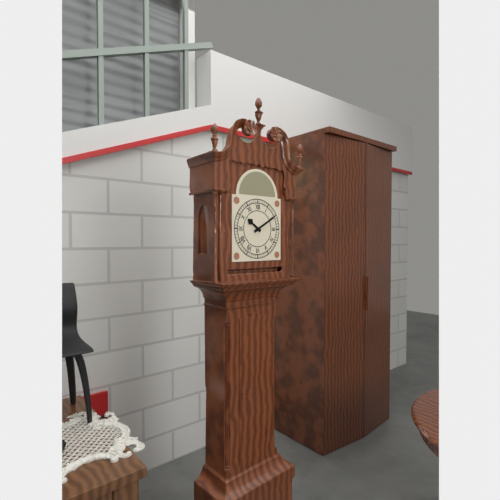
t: 10:10
